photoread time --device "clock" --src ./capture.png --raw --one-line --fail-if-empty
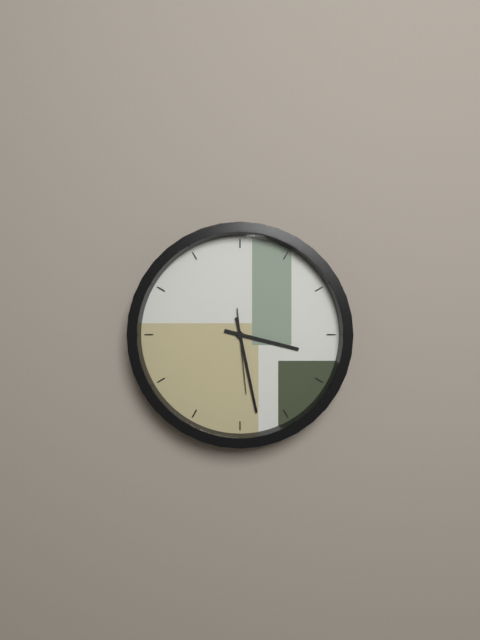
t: 3:28:29
